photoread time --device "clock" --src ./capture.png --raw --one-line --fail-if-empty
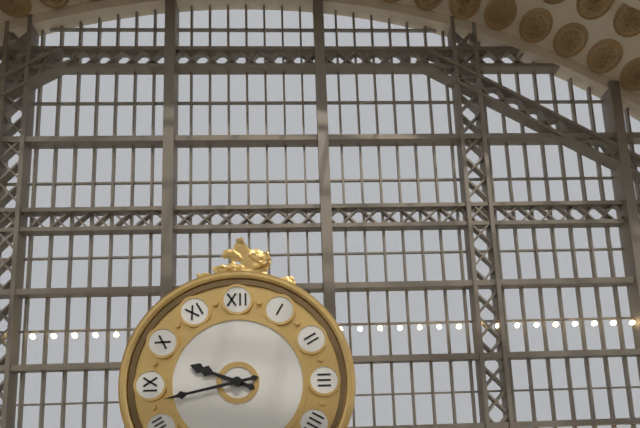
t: 9:43
